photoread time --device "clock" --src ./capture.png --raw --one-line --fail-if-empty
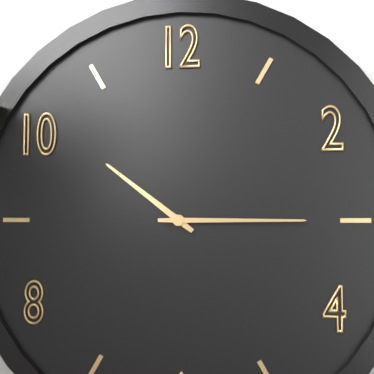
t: 10:15
